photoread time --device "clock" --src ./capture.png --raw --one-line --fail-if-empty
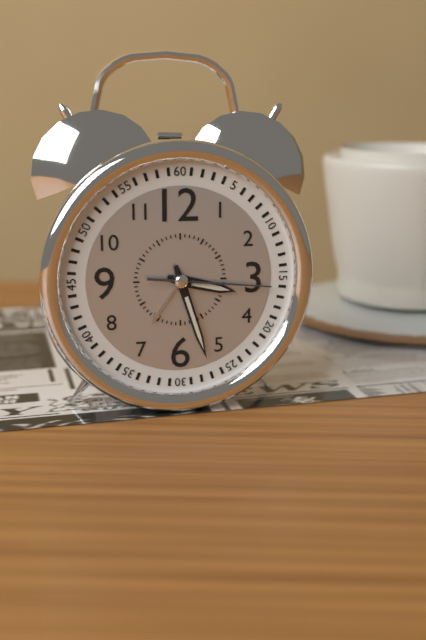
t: 3:27:16
